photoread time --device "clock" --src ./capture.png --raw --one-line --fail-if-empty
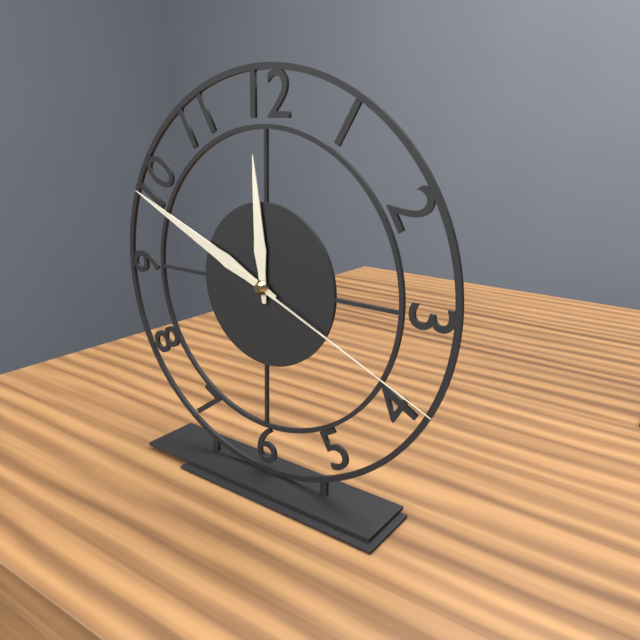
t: 11:49:19
